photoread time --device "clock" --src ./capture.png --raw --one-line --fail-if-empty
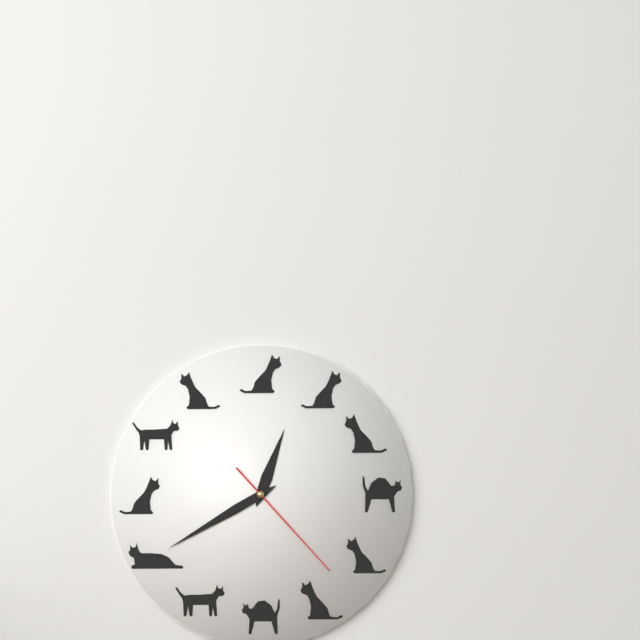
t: 12:40:23
